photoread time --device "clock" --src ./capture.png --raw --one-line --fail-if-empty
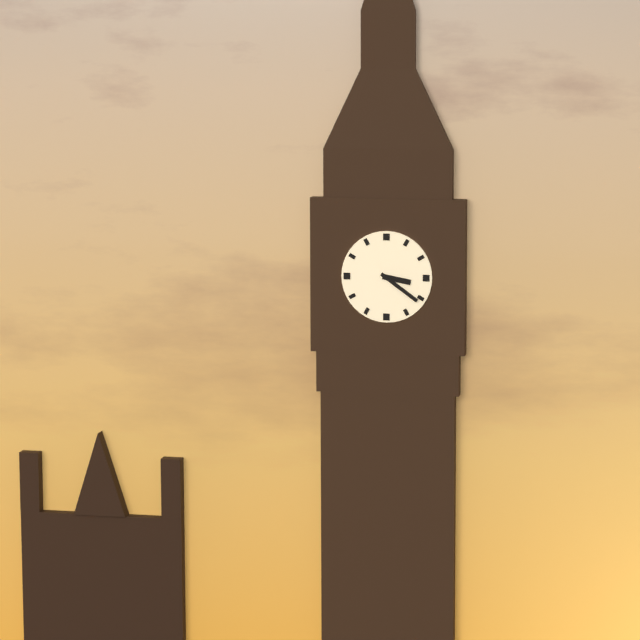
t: 3:21
